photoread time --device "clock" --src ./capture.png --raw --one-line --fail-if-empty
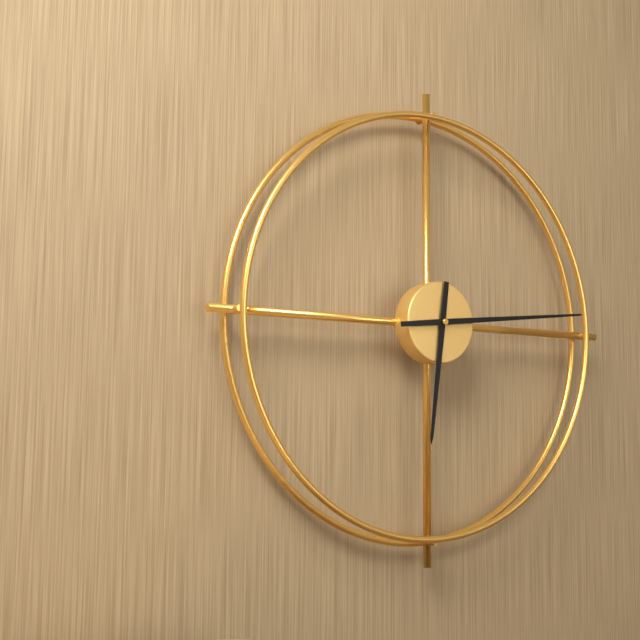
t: 6:14
